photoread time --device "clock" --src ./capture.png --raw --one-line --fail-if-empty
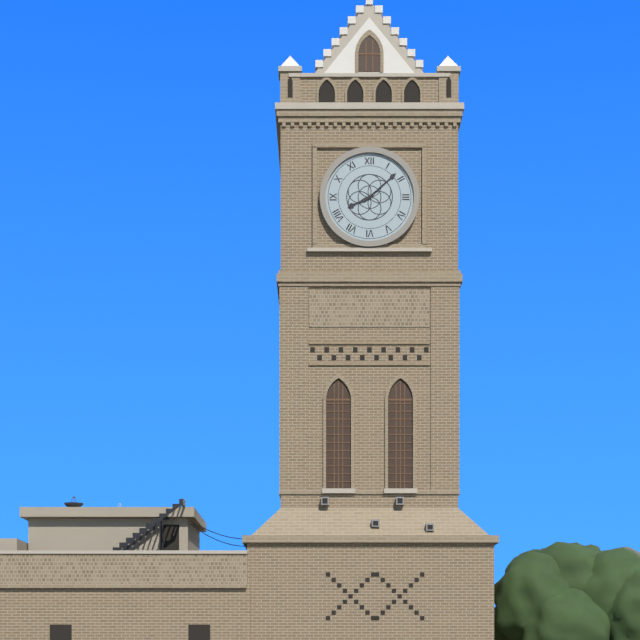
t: 8:08
